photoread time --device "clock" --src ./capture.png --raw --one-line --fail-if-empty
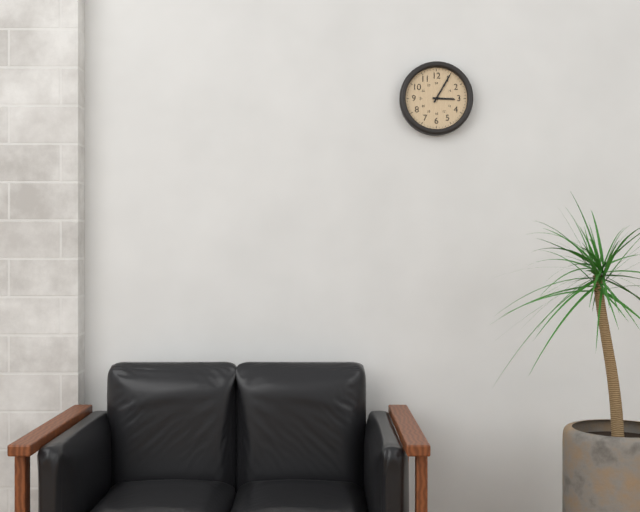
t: 3:05
